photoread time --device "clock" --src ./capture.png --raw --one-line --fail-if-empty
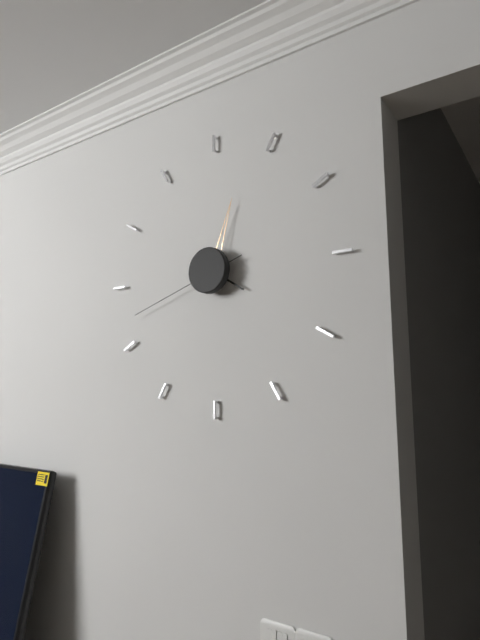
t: 4:03:42
